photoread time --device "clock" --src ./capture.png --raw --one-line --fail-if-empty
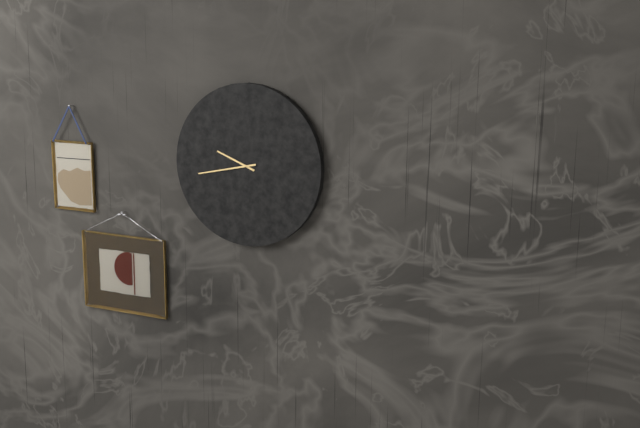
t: 9:43
